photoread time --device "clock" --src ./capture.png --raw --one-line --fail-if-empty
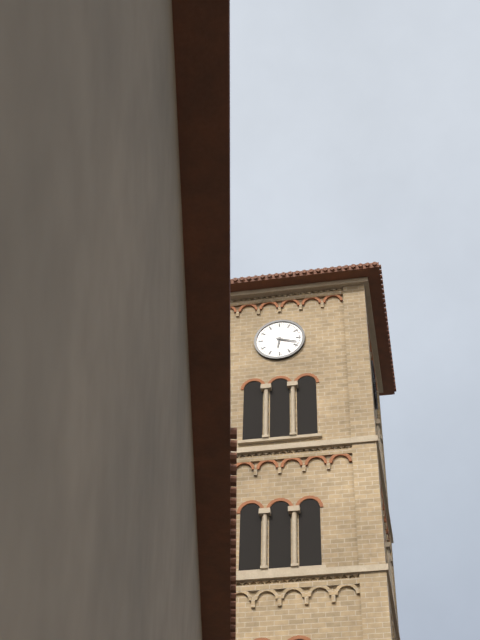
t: 6:18
